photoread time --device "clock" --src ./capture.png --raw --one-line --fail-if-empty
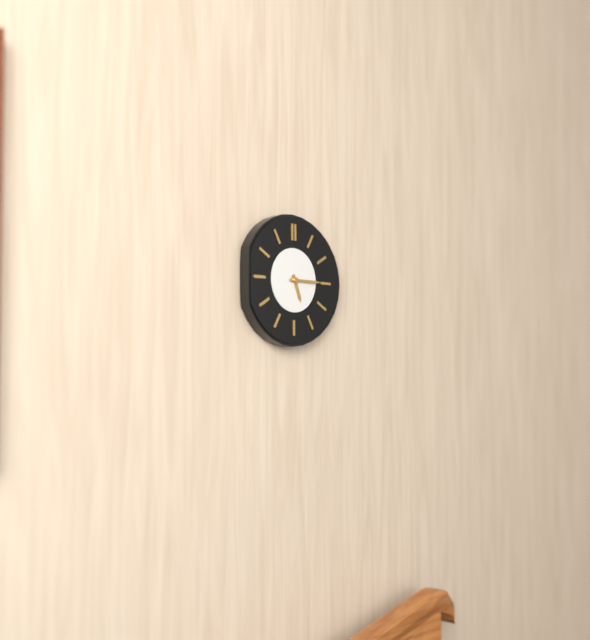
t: 5:15
